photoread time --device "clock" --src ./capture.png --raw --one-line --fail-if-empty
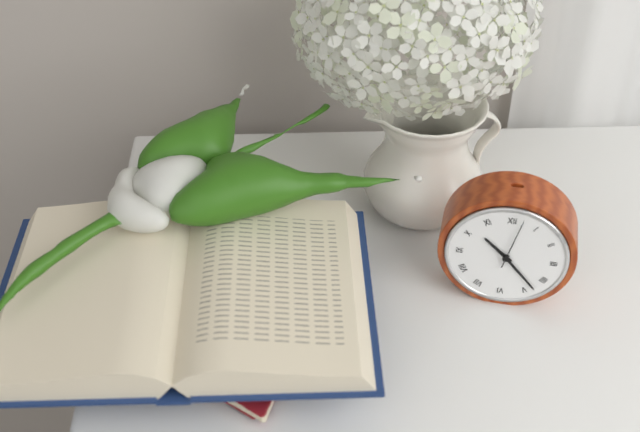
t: 10:23:02
